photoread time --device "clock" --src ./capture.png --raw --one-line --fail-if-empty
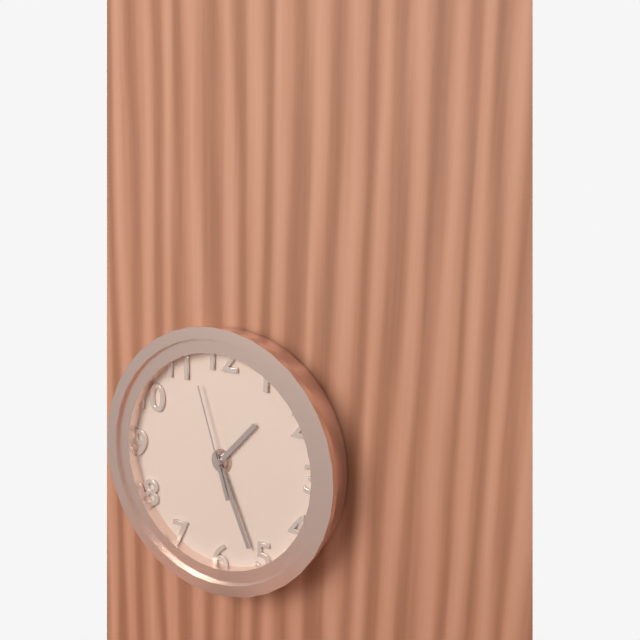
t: 1:26:57
